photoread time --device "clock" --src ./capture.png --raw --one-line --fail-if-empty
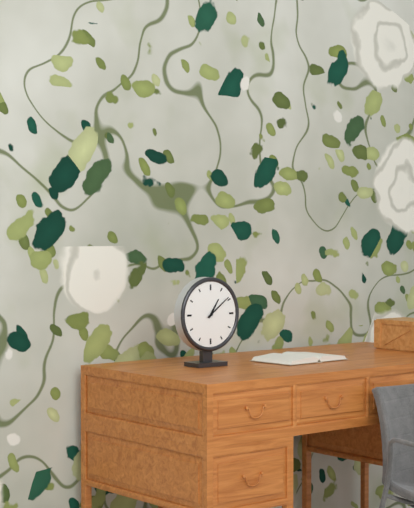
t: 1:09
